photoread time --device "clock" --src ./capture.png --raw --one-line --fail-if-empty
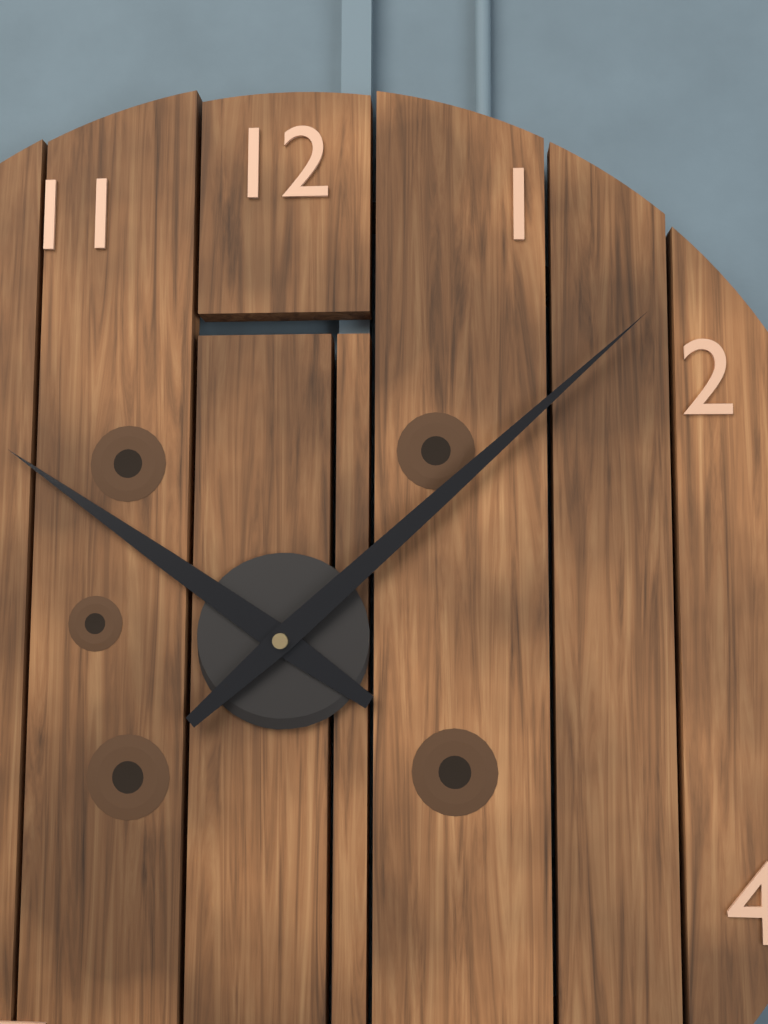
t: 10:08
